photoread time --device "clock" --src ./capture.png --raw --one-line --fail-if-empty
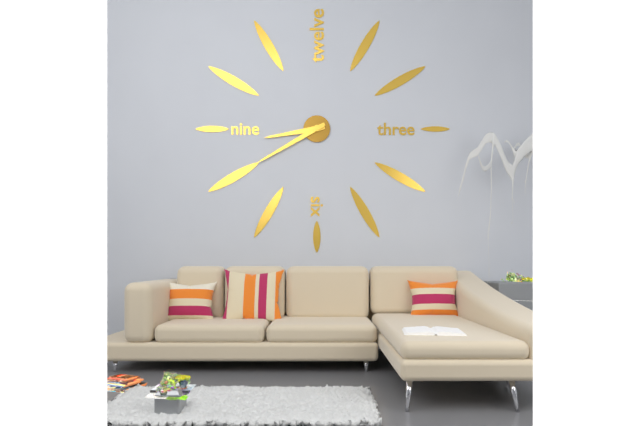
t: 8:40
